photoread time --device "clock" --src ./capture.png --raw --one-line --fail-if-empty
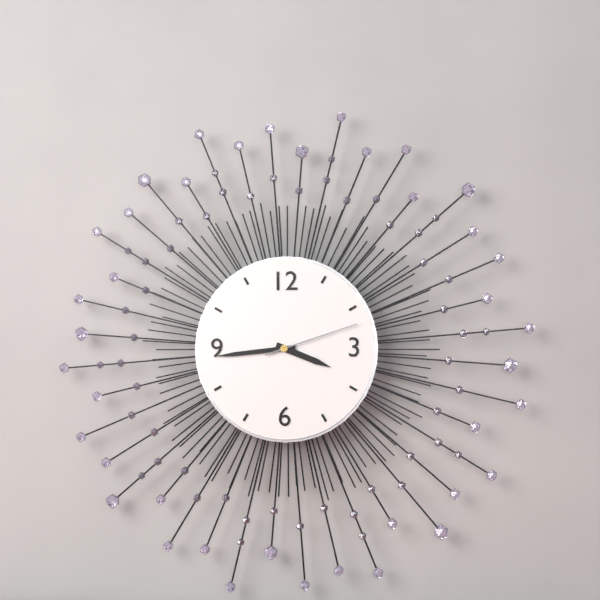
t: 3:44:12
